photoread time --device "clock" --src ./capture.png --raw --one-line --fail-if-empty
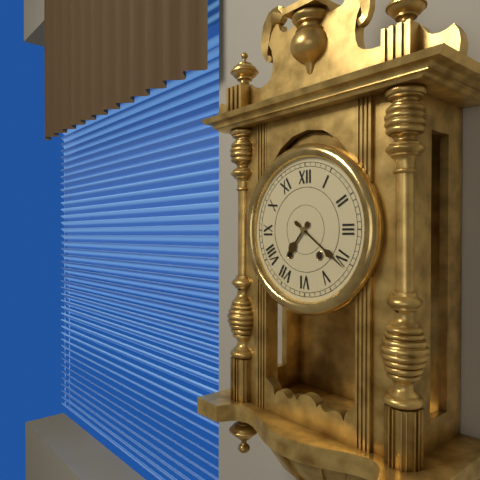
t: 7:21
